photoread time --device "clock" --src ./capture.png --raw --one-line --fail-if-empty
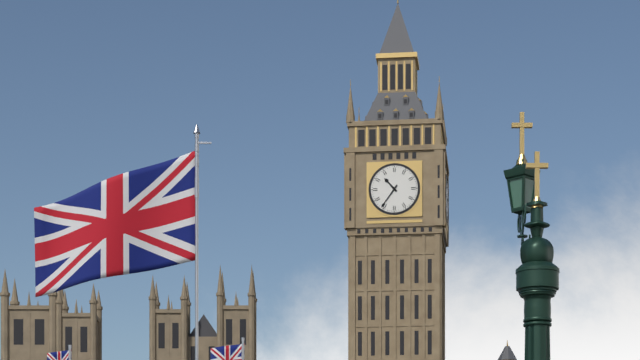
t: 10:36
